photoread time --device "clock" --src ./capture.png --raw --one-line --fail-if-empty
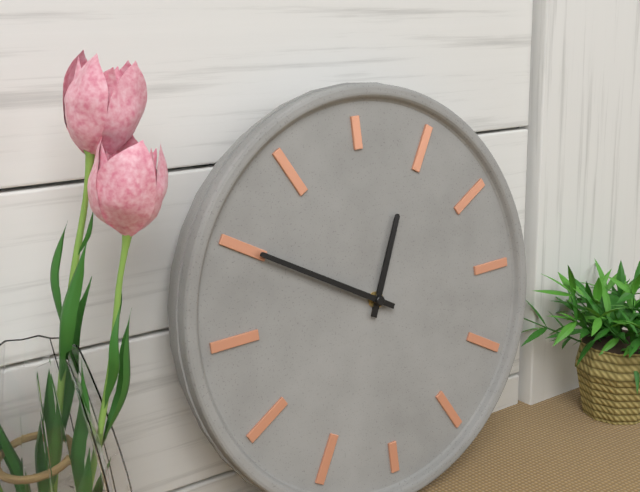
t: 12:50
